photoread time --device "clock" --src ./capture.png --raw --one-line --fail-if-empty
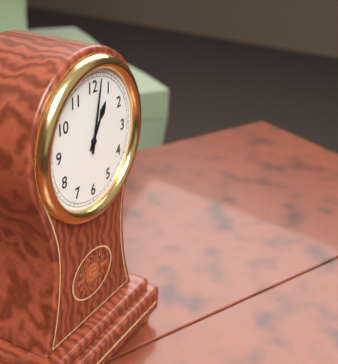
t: 1:02
